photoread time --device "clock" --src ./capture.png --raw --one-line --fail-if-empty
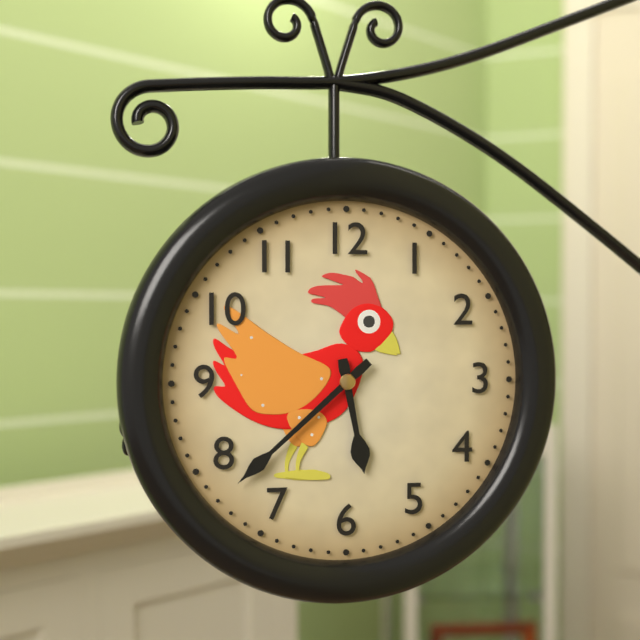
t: 5:38
